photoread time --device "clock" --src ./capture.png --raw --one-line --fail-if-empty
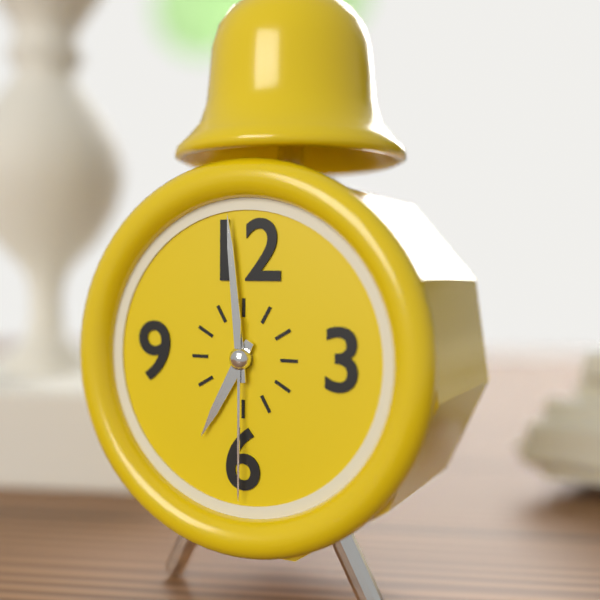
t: 6:59:30
